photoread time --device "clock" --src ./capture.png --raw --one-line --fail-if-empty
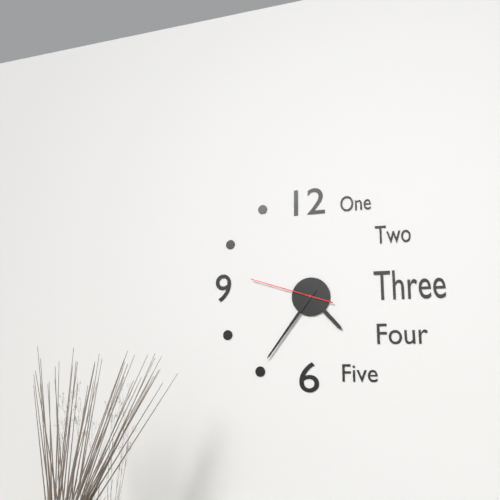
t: 4:36:48
